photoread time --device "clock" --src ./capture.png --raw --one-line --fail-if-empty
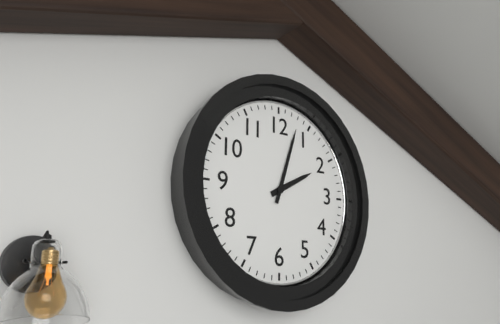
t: 2:03
